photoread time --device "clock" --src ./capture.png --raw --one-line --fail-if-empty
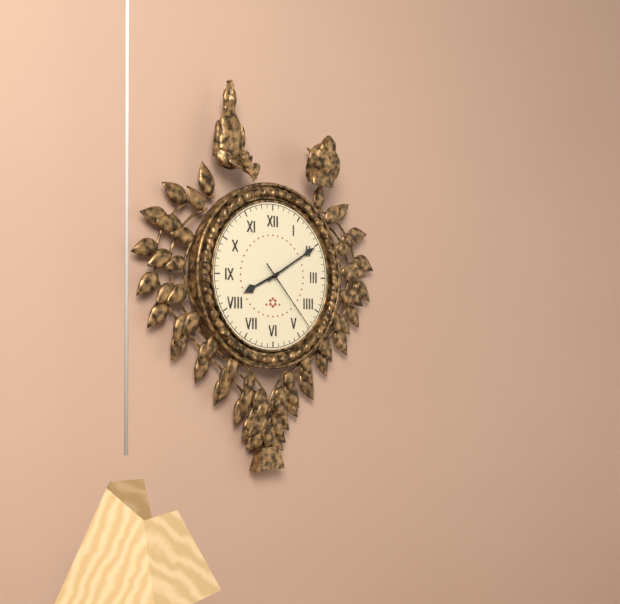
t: 8:10:23
